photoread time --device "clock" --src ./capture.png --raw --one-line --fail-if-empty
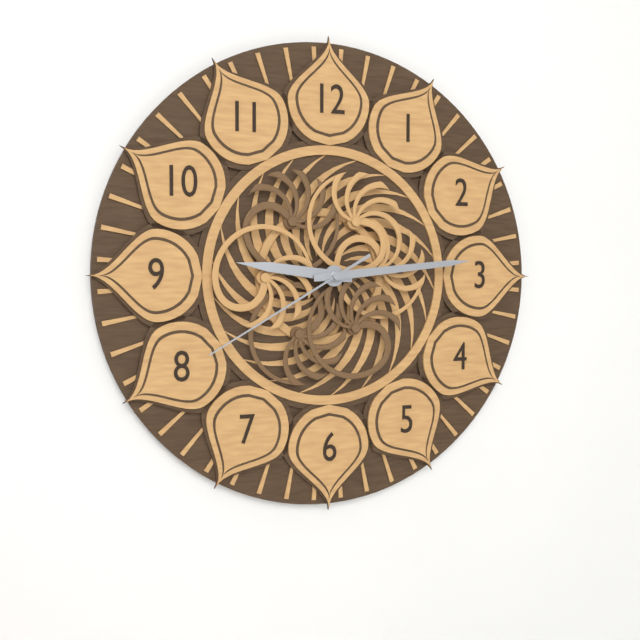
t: 9:14:40
